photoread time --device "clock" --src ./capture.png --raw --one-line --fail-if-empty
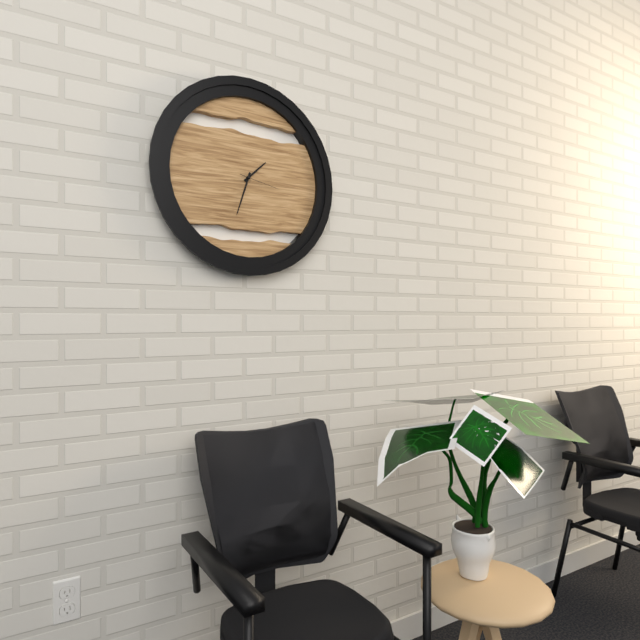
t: 1:33
